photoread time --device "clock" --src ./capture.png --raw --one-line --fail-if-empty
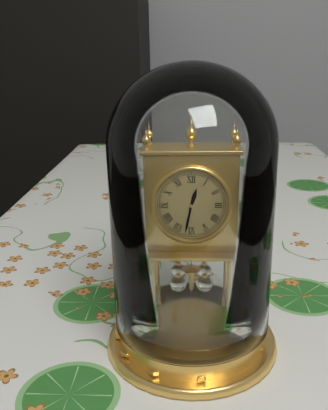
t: 12:32
